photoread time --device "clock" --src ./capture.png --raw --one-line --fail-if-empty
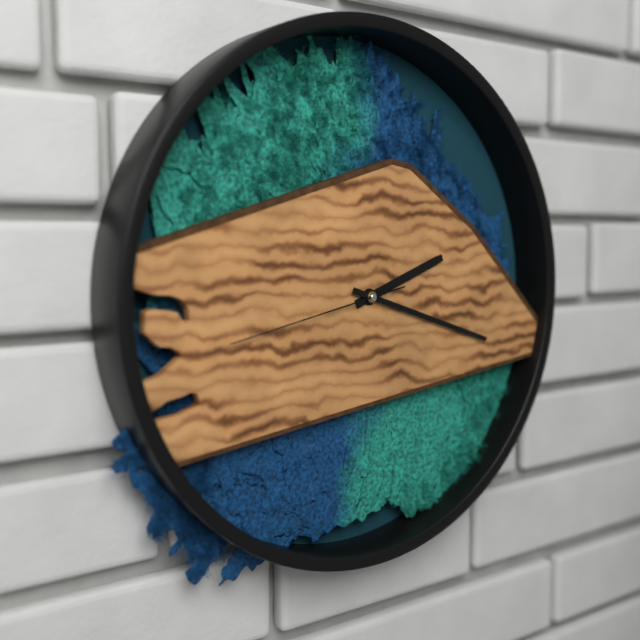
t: 2:18:43
